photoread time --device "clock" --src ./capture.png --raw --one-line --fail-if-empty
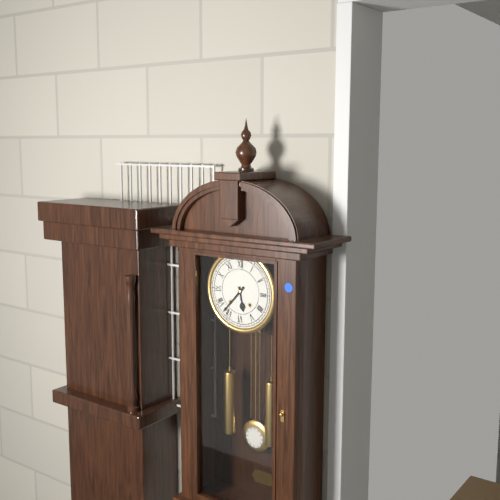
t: 5:37
